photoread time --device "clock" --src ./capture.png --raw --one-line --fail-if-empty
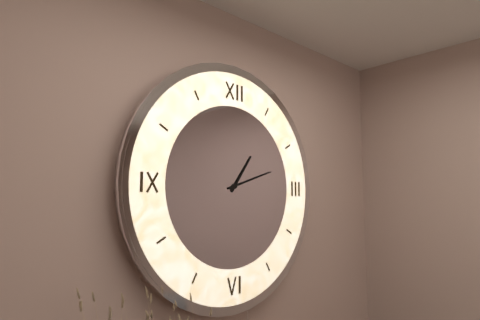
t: 1:12
